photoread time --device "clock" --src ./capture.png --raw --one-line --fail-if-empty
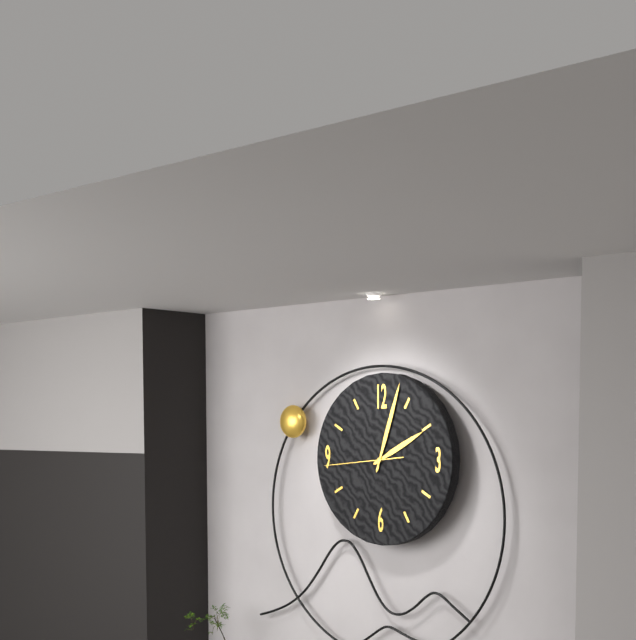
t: 2:03:44
